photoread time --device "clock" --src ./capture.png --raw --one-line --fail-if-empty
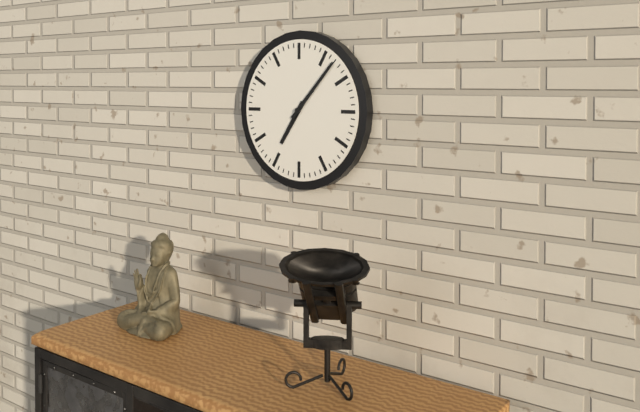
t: 7:07
